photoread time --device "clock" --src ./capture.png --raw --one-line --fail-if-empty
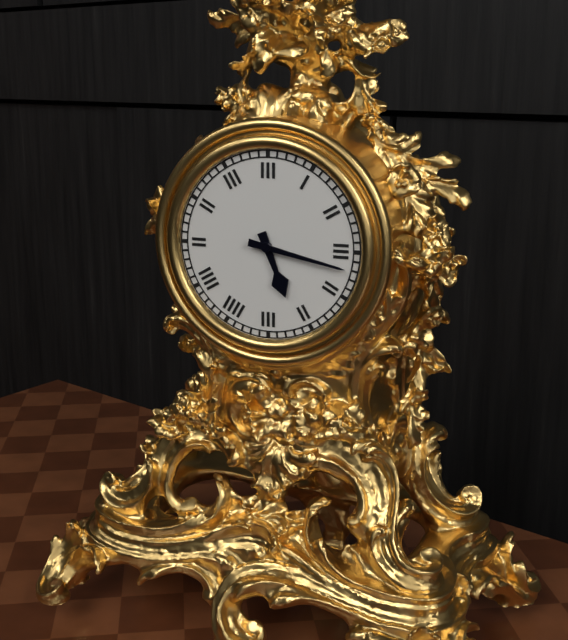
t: 5:17
